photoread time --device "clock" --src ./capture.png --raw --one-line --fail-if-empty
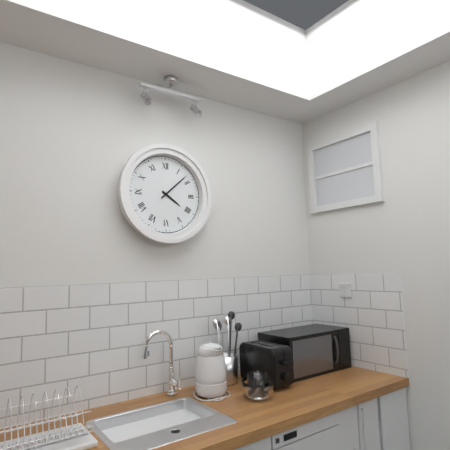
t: 4:08
